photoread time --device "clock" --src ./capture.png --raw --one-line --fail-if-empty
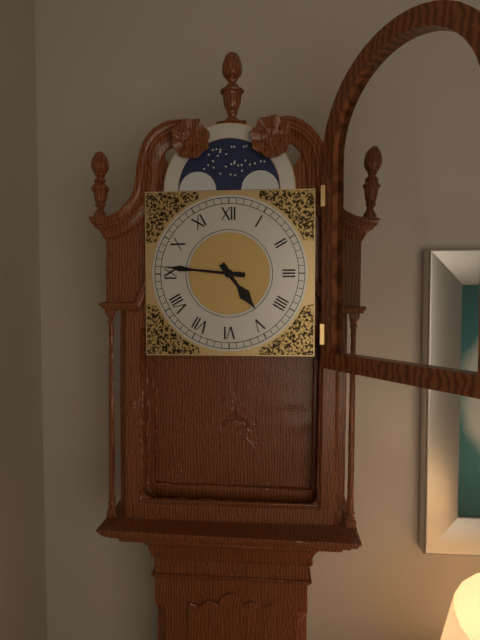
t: 4:46
